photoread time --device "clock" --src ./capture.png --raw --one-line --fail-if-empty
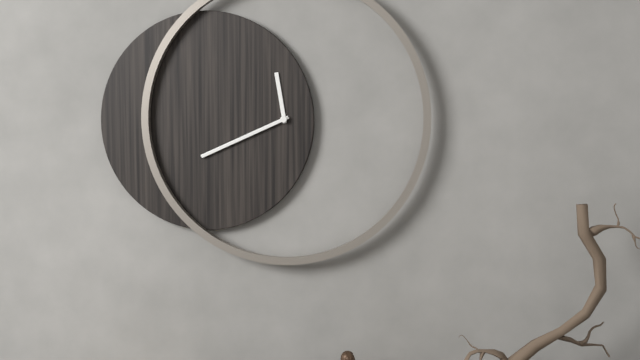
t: 11:41
